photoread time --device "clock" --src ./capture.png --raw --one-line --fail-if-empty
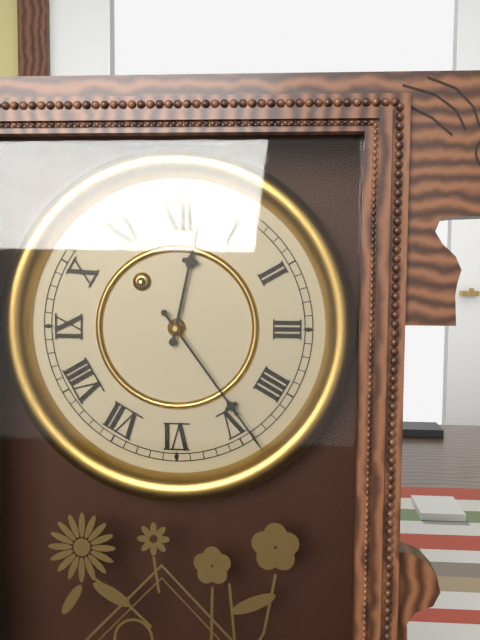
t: 12:24
